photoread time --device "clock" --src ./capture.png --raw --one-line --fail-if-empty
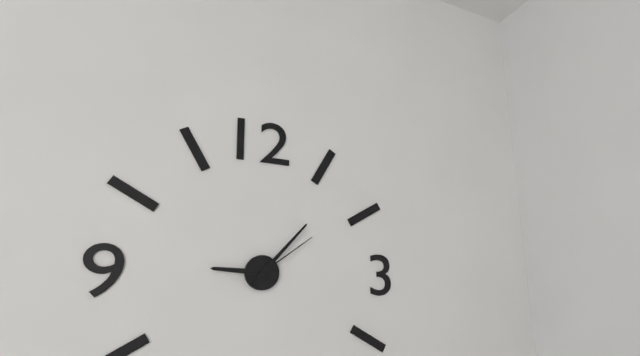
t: 9:07:09
